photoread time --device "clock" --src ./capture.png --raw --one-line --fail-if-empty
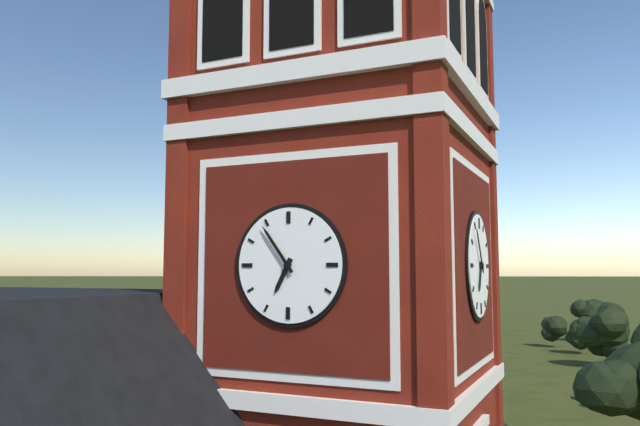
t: 6:54
